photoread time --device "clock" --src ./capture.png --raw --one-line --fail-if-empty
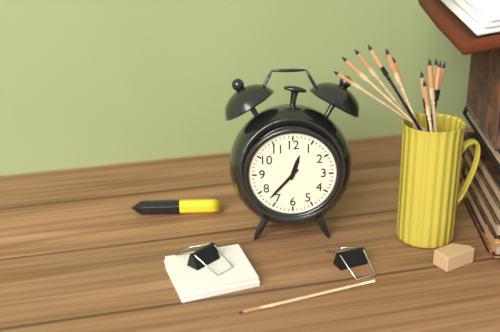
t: 12:37
